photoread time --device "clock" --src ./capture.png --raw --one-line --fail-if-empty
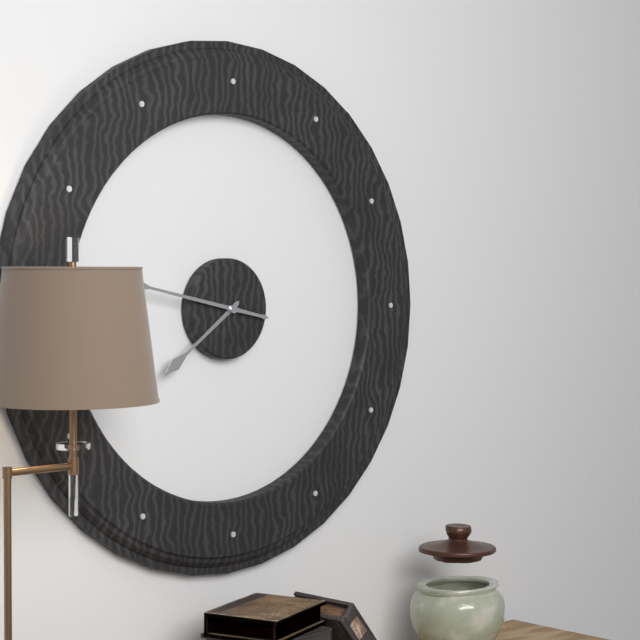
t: 7:47
